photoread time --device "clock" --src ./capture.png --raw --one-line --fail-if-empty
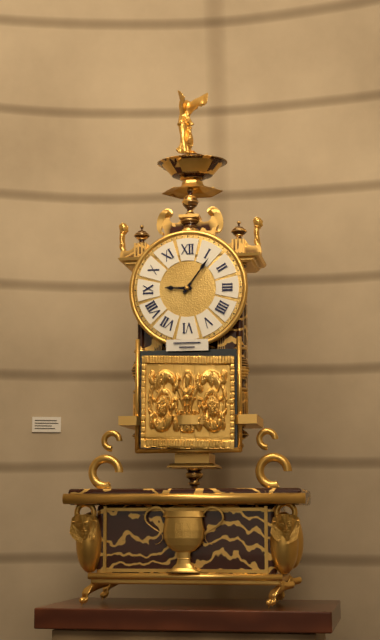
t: 9:06
